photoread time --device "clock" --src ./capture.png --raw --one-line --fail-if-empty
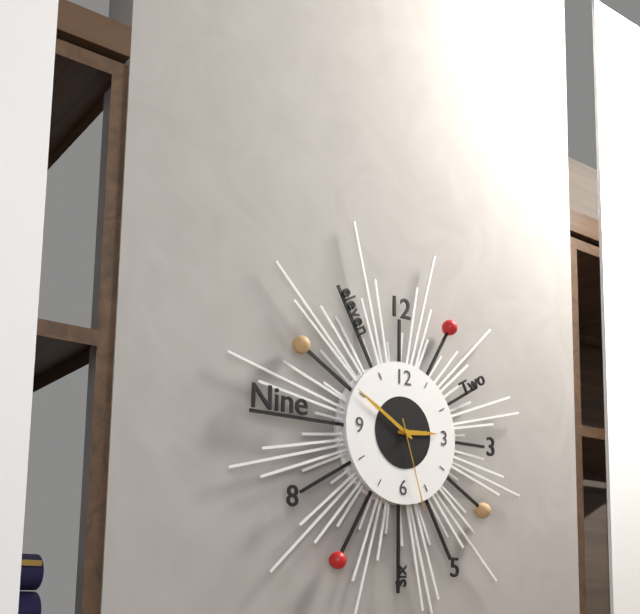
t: 2:50:27
